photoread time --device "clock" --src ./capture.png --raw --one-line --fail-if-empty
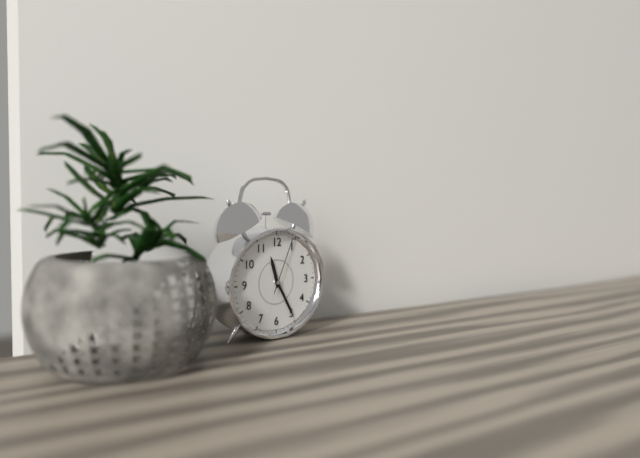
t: 11:25:04
